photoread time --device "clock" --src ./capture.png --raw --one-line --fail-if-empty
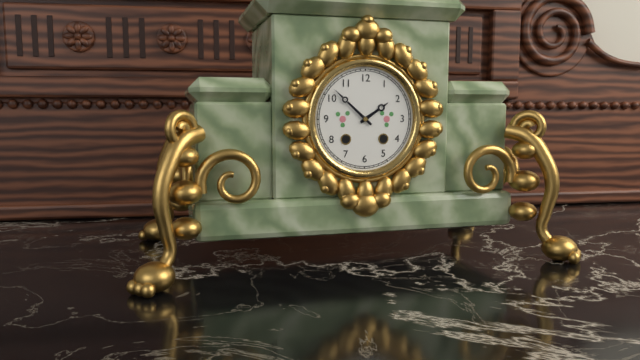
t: 1:52
